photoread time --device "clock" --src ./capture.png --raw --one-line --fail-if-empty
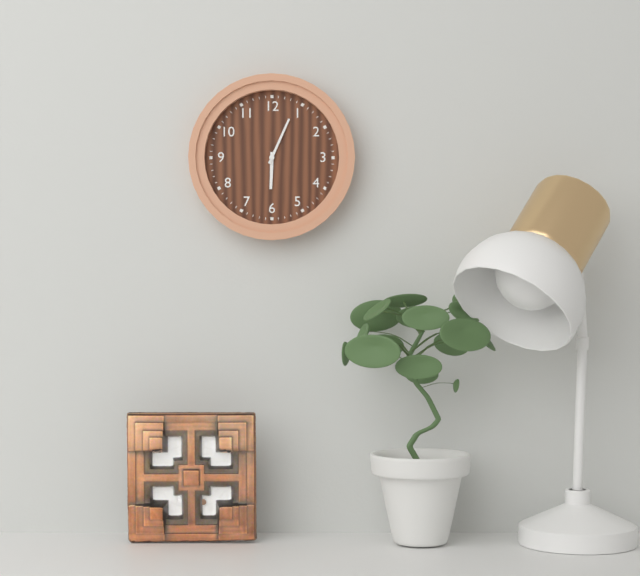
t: 6:04
